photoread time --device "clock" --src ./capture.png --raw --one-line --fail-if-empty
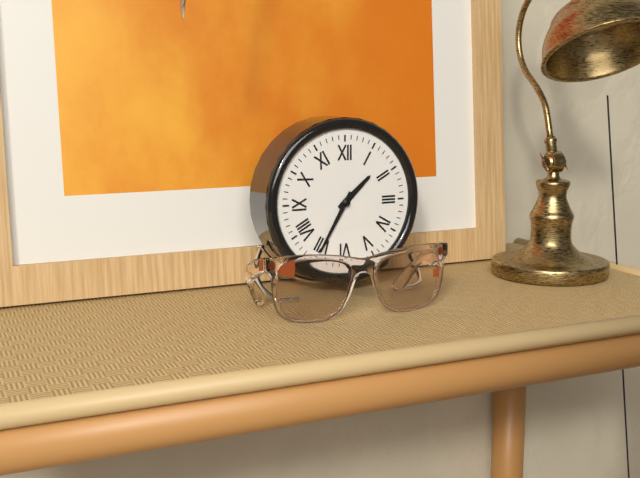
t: 1:35
